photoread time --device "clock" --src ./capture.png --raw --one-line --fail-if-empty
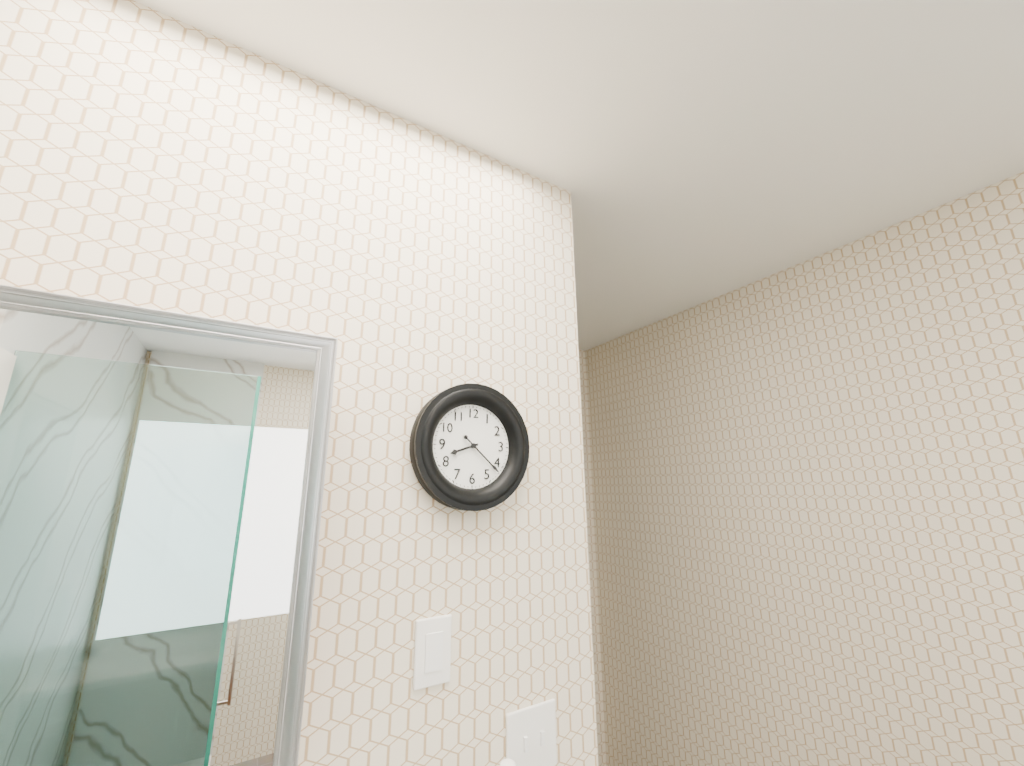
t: 8:22
